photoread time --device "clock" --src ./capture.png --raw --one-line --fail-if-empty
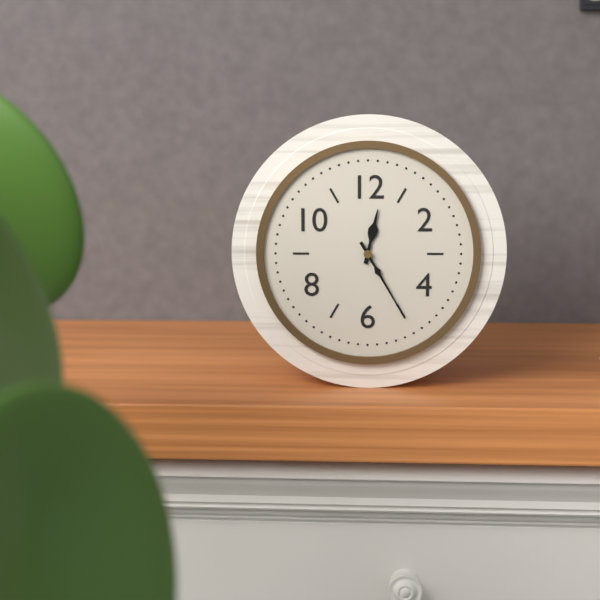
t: 12:25
